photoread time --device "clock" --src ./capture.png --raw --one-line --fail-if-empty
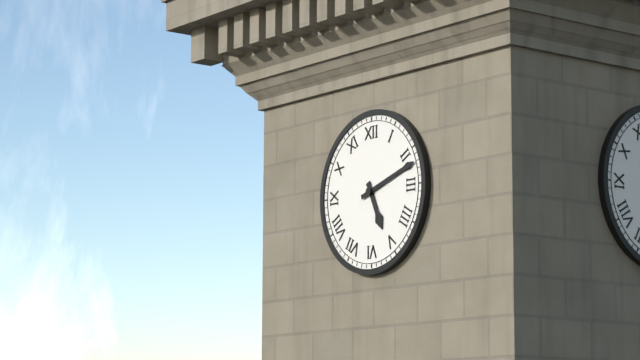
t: 5:12
